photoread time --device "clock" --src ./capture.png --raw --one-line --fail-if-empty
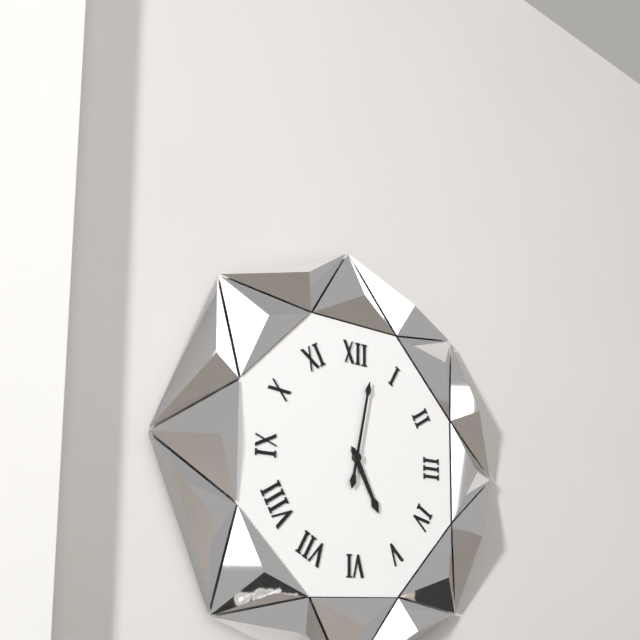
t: 5:02
